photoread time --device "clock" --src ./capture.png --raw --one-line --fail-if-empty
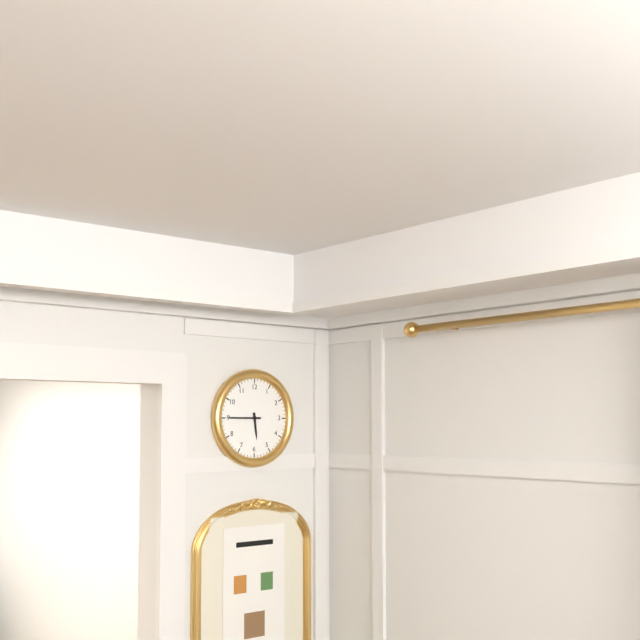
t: 5:45
